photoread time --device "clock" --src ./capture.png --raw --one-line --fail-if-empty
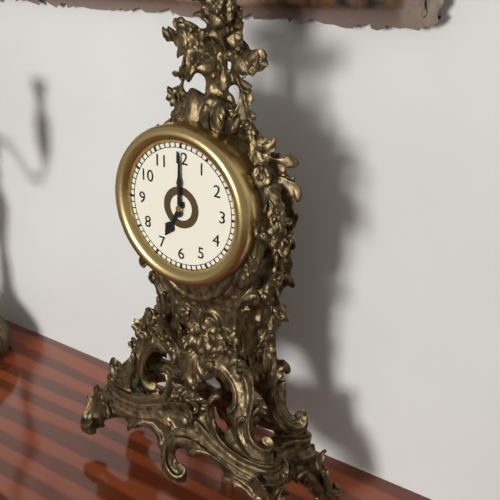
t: 7:00
